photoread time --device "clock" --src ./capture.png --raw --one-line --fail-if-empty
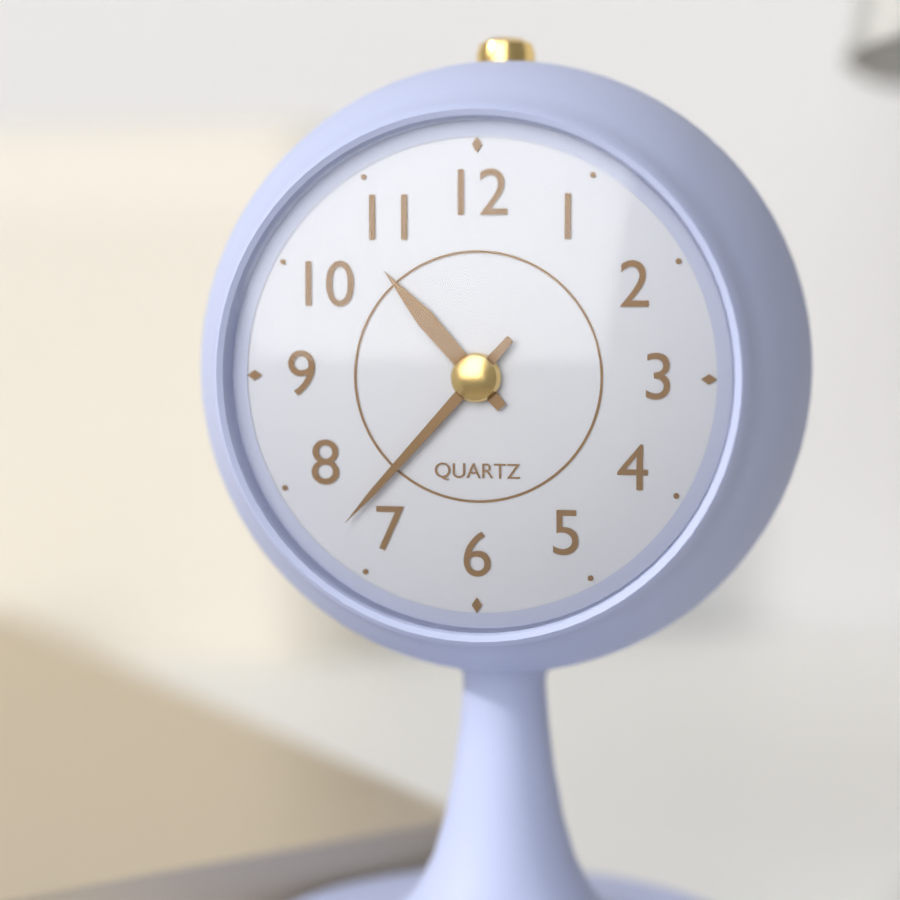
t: 10:37
